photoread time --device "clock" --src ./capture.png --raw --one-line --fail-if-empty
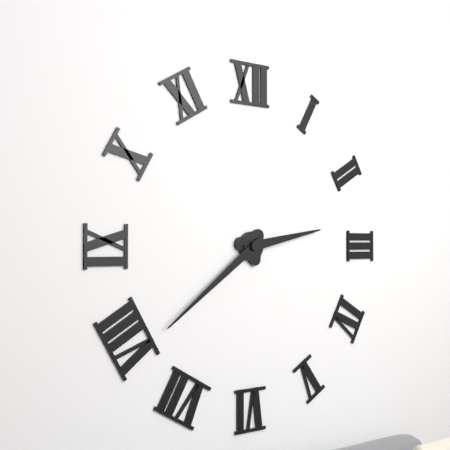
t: 2:39
